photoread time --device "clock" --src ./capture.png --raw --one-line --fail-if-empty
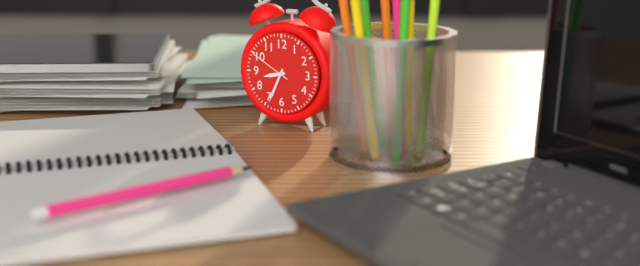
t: 8:34
